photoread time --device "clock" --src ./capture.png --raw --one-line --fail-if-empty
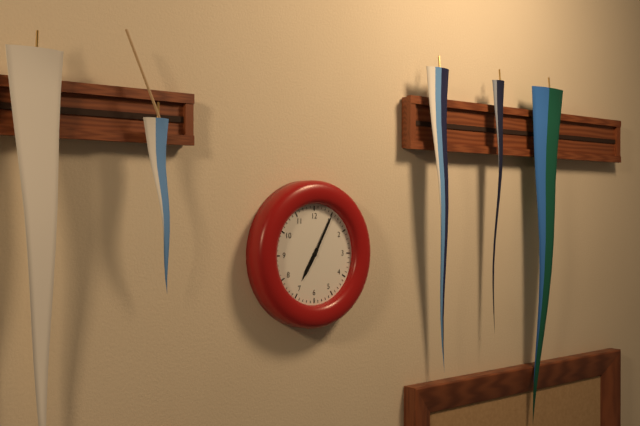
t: 7:05
